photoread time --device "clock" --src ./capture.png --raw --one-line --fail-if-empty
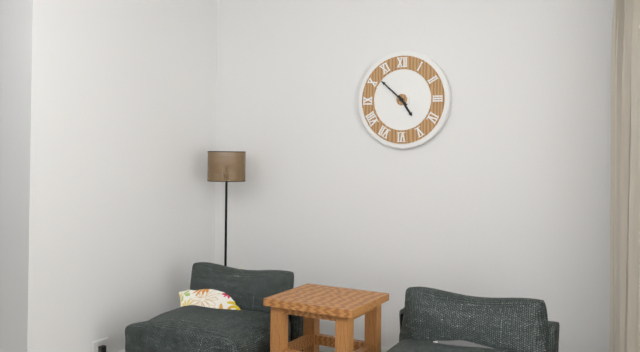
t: 4:52
